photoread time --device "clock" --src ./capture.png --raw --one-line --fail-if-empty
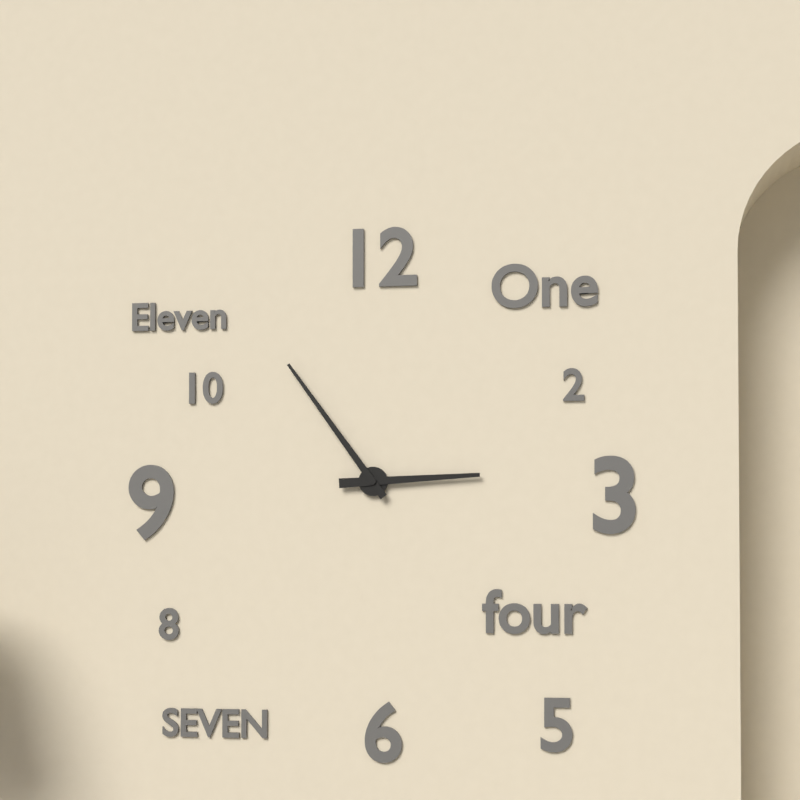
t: 2:54
